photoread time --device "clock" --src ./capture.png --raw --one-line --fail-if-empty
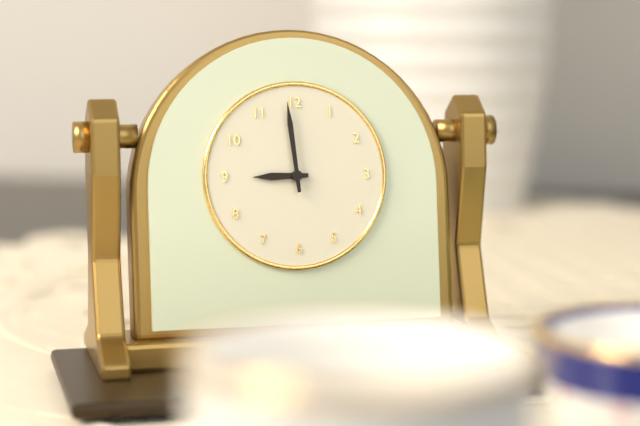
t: 8:59
